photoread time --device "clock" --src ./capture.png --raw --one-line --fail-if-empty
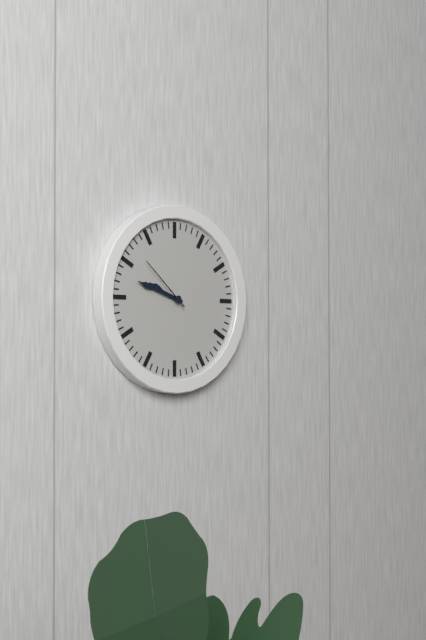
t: 9:48:52
